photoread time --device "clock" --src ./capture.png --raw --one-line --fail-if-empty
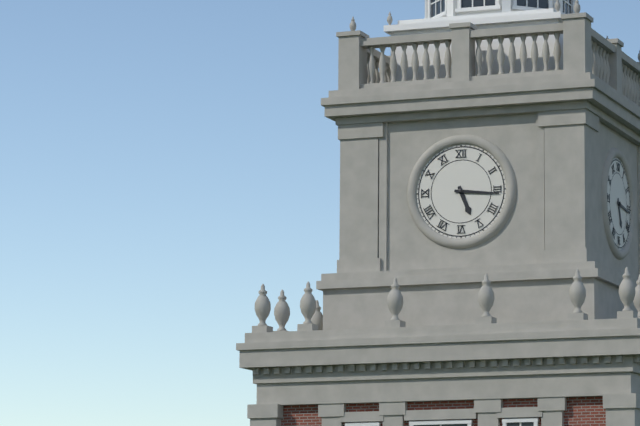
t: 5:16
